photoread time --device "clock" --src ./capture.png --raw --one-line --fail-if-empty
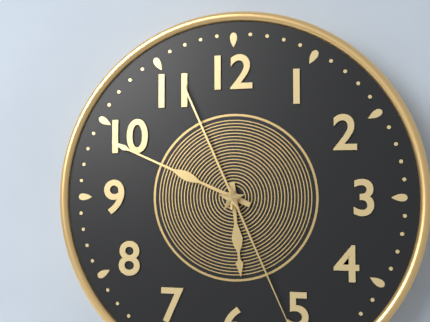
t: 5:49
